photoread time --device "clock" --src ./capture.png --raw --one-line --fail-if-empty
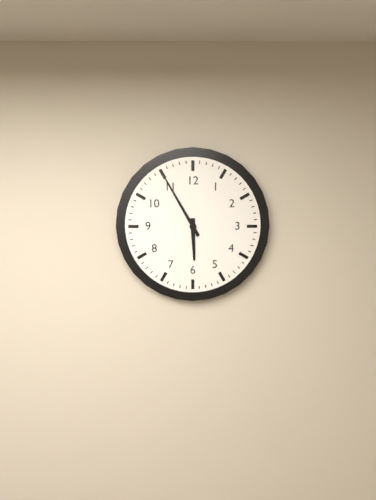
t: 5:55
